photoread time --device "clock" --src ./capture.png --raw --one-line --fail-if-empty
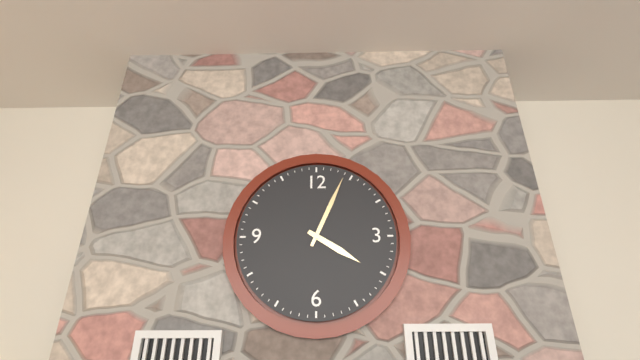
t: 4:04
